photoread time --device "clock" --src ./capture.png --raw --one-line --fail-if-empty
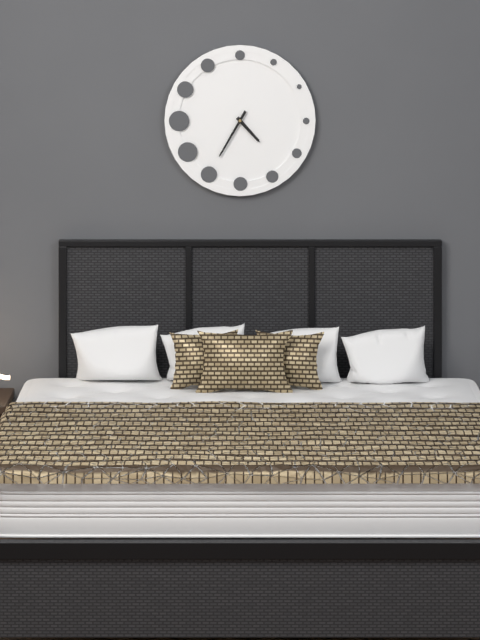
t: 4:35
